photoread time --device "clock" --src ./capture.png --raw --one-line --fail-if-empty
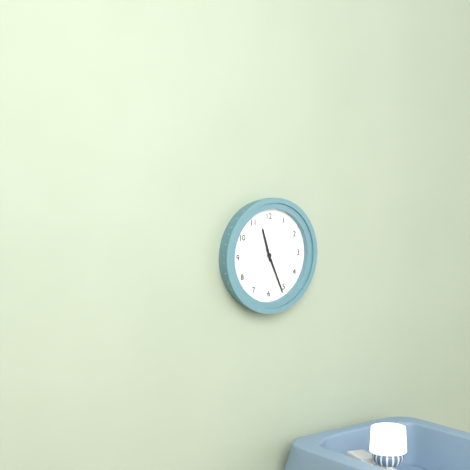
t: 11:26
